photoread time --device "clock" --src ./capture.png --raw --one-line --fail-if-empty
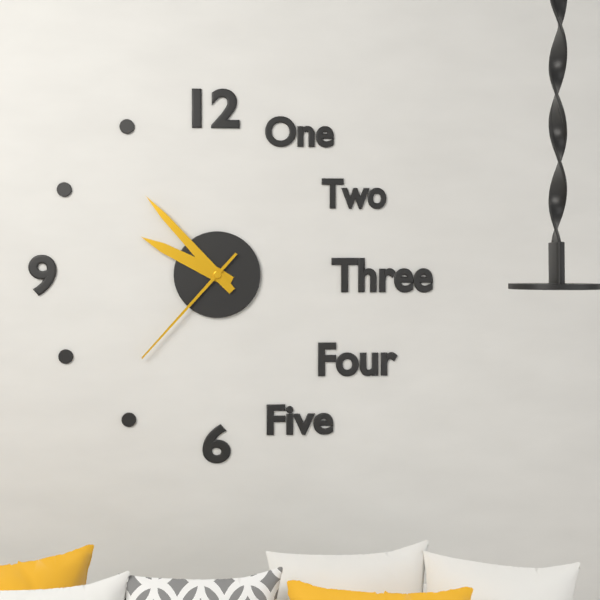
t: 9:53:37
